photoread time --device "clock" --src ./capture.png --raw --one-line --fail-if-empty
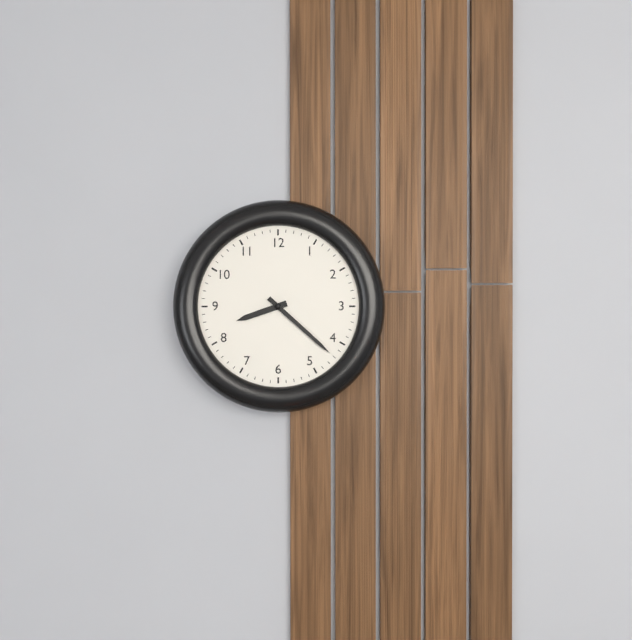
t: 8:22
